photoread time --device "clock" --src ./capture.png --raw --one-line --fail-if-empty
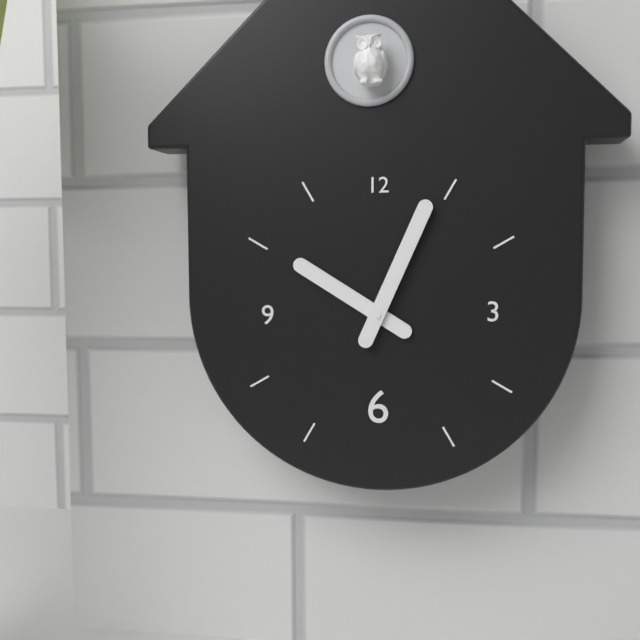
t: 10:04
